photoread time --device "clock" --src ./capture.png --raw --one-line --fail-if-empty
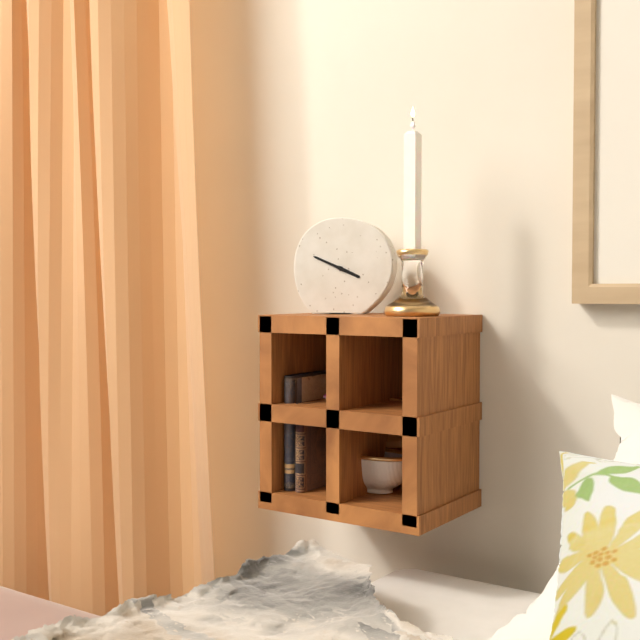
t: 3:49
